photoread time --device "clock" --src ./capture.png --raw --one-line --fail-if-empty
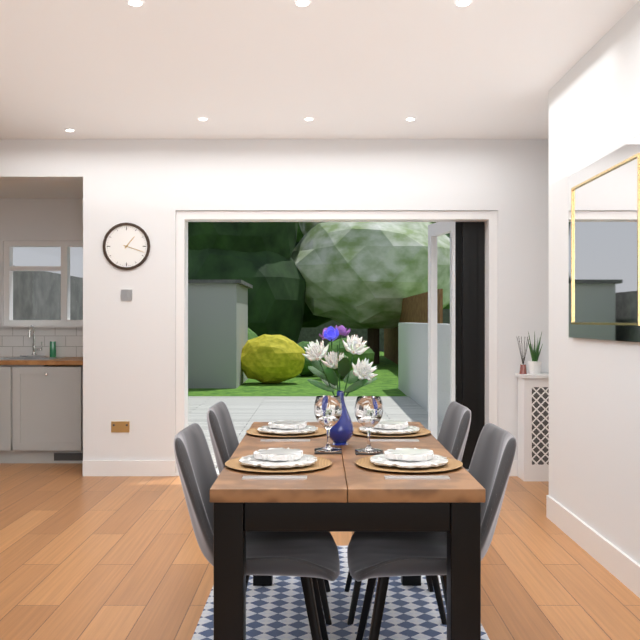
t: 1:18
